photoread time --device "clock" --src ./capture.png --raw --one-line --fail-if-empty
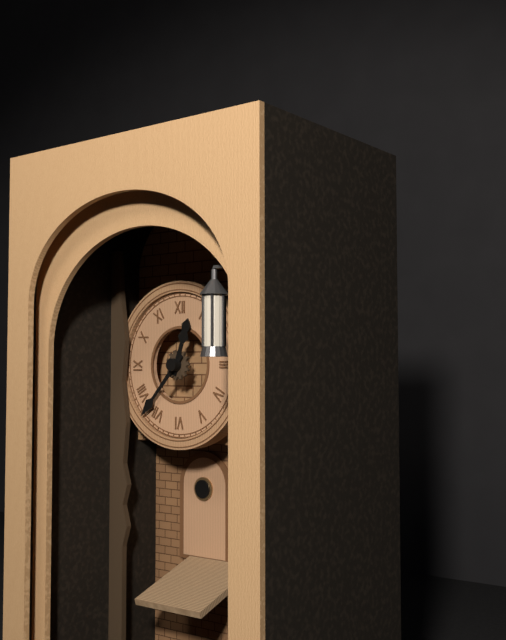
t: 12:37
